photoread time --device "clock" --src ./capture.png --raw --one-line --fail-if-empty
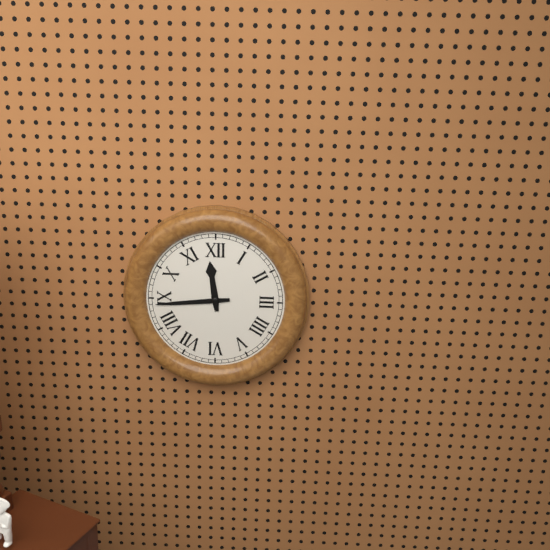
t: 11:44
